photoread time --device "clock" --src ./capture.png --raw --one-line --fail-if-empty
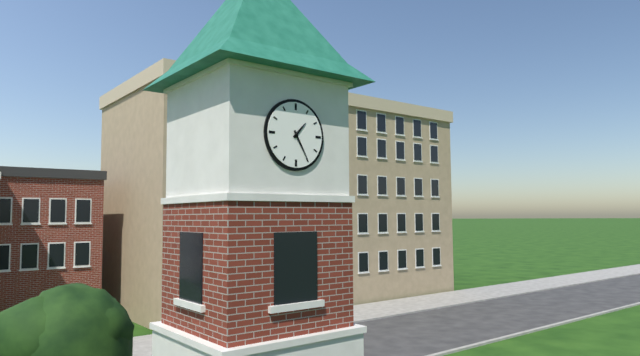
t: 1:25
